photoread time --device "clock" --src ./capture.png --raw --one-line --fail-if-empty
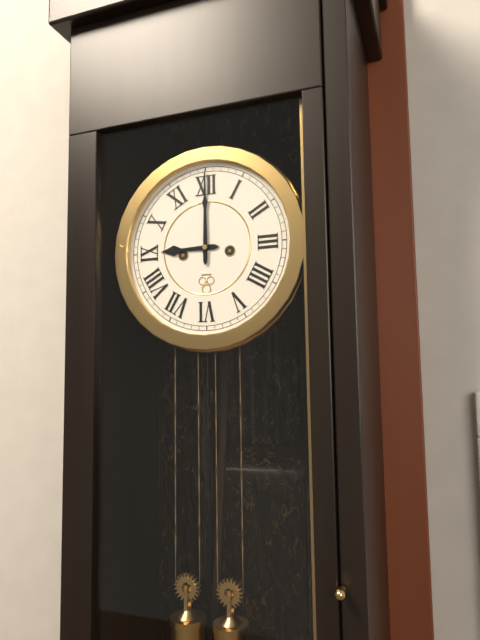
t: 9:00
